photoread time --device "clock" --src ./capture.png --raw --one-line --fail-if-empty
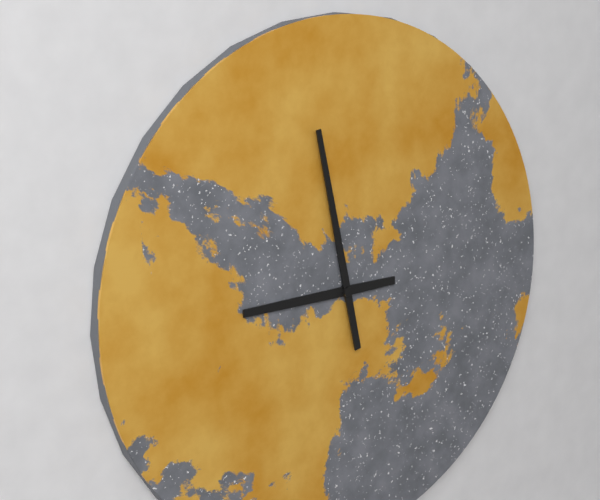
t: 8:58
